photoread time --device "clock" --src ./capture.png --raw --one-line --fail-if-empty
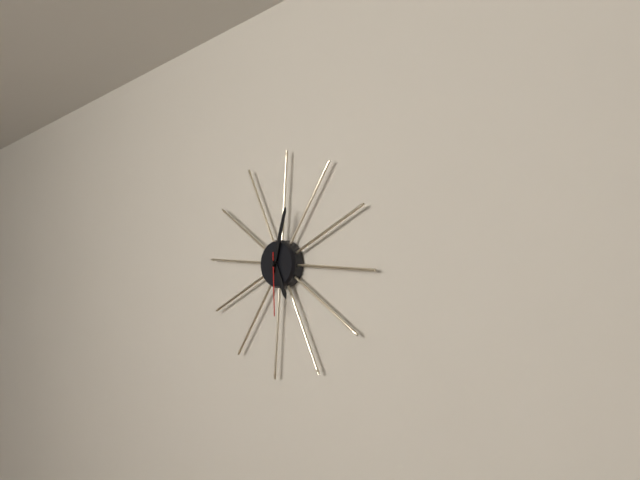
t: 5:02:29
